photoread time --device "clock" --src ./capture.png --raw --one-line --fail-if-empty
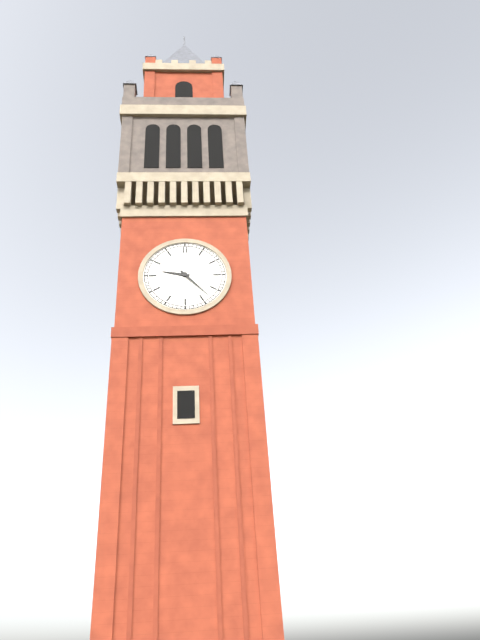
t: 9:23
